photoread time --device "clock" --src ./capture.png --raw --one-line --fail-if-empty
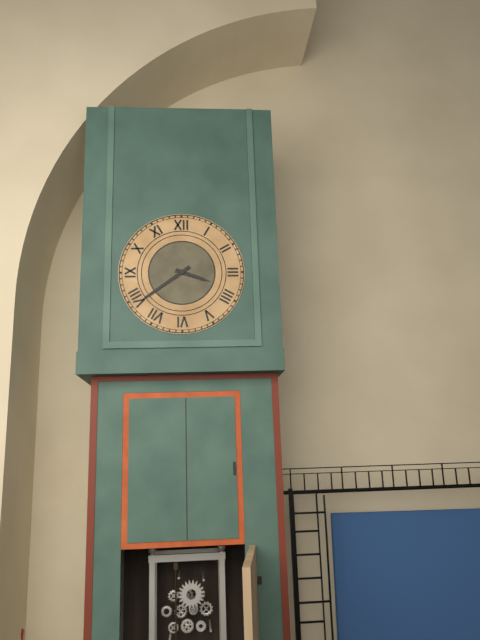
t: 3:39
